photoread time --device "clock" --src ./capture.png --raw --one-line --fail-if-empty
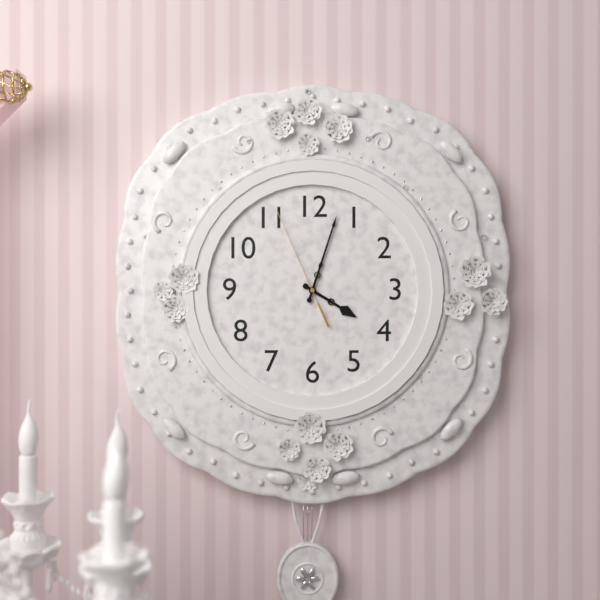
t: 4:03:56
